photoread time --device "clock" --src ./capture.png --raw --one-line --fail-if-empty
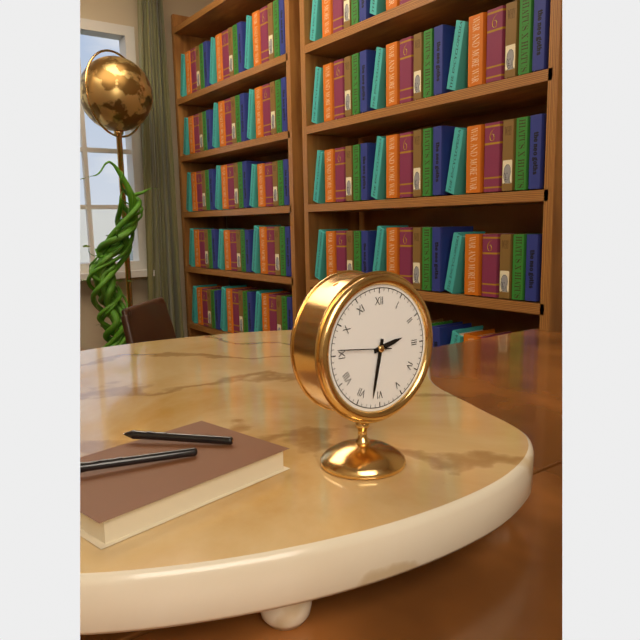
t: 2:32:46
